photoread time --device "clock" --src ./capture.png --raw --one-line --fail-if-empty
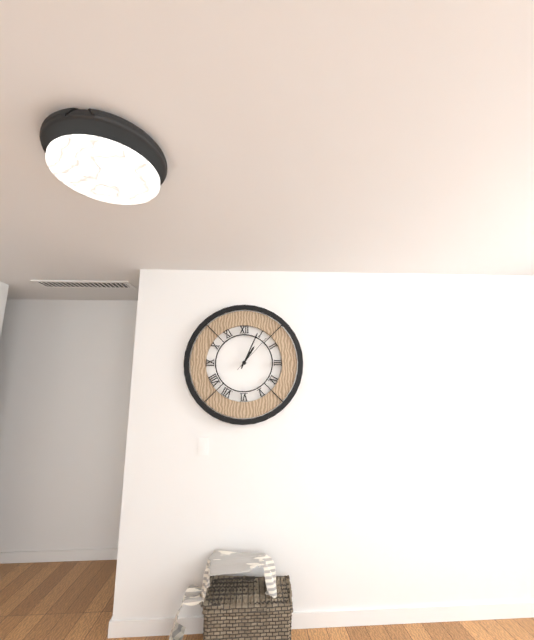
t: 1:04
